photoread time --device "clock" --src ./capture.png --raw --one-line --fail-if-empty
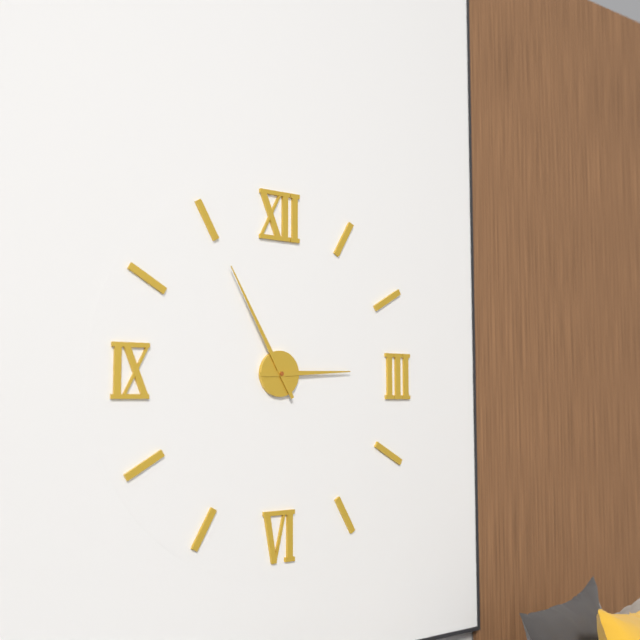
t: 2:55
